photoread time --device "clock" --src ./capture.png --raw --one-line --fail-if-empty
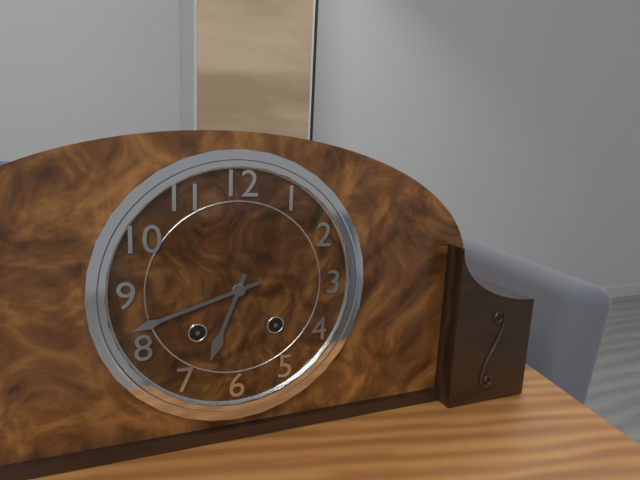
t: 6:42
